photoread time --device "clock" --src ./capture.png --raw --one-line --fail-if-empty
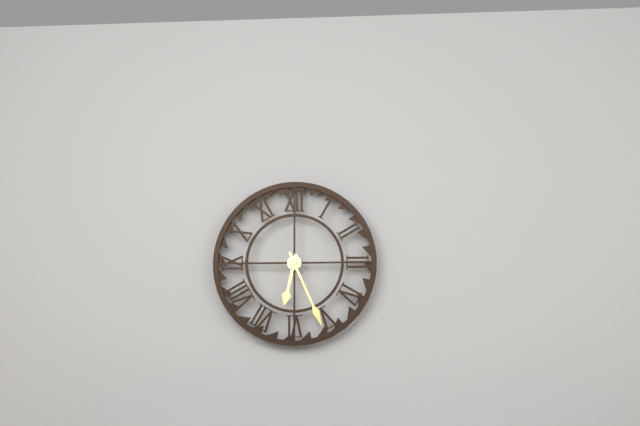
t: 6:26
